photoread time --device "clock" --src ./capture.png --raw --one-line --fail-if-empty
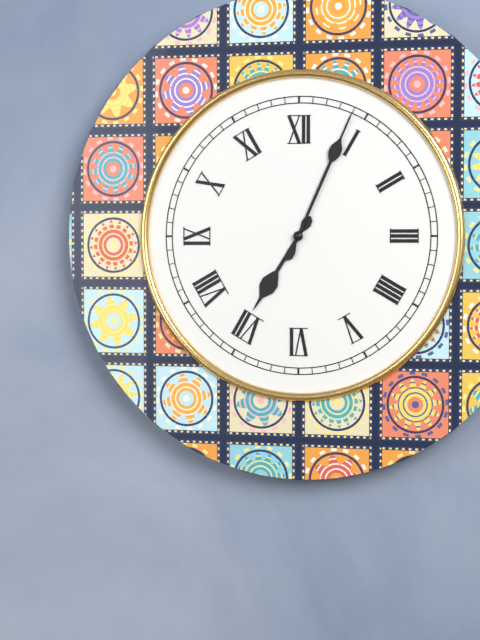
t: 7:04
